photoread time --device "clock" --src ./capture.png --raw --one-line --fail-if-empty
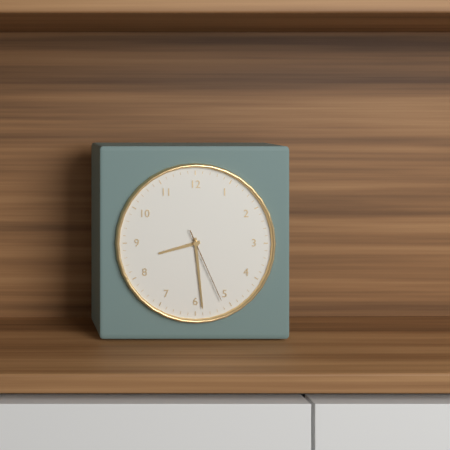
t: 8:29:26
